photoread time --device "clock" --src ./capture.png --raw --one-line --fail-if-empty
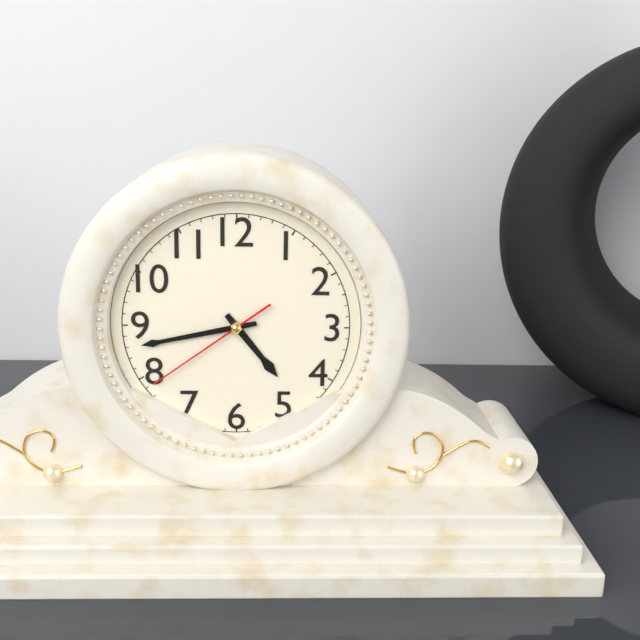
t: 4:43:39
